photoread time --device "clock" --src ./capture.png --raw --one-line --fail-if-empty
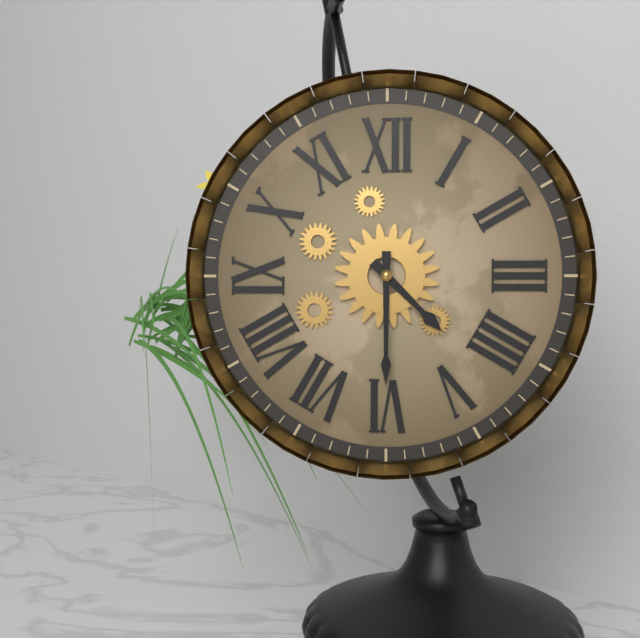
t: 4:30
